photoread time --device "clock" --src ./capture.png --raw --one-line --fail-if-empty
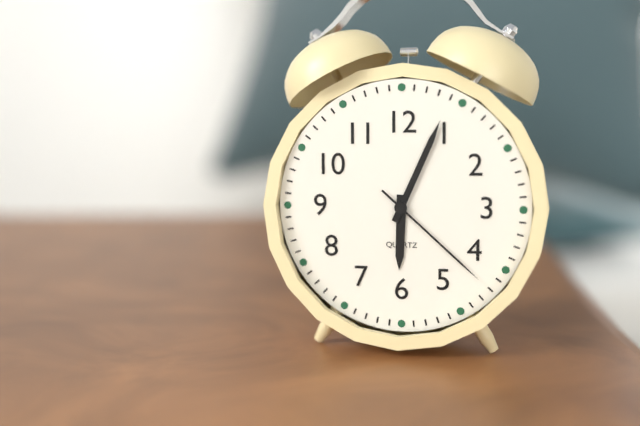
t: 6:04:22
